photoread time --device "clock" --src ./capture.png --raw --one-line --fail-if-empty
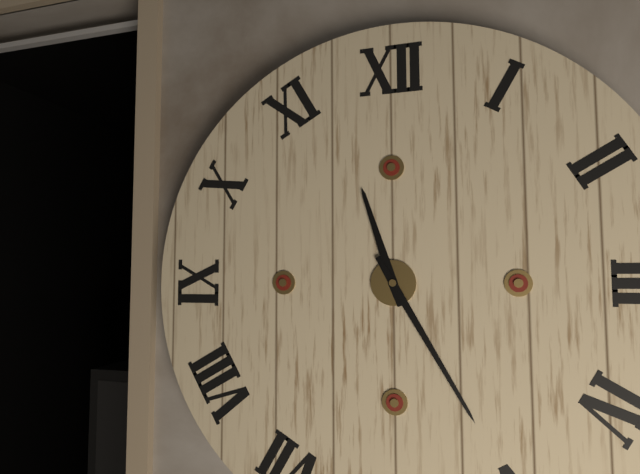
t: 11:25
